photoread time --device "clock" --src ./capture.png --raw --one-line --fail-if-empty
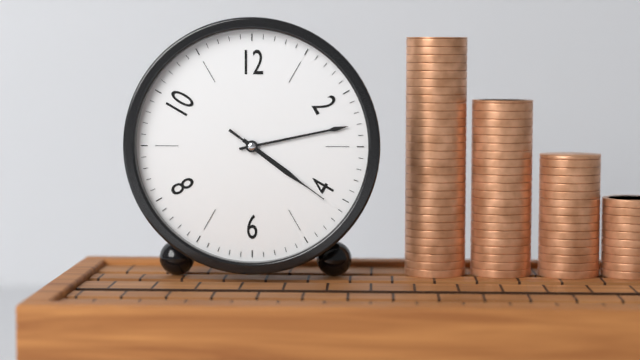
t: 4:13:21
